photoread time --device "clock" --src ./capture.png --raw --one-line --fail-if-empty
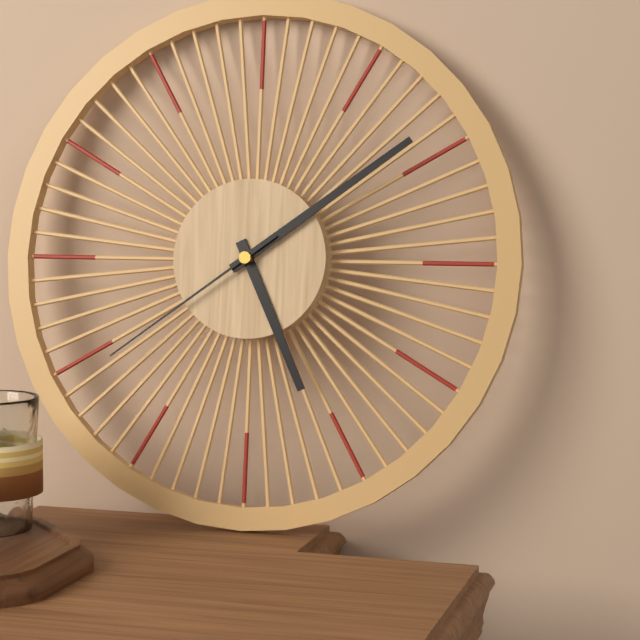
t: 5:09:39
